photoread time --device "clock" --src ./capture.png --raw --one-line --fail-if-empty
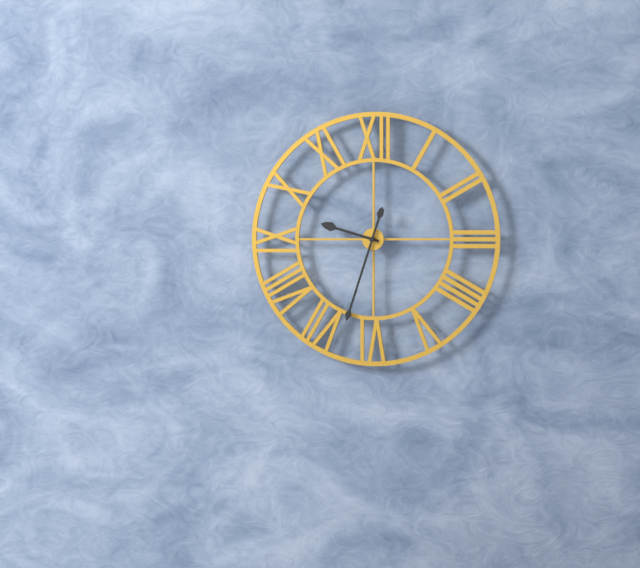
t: 9:33
